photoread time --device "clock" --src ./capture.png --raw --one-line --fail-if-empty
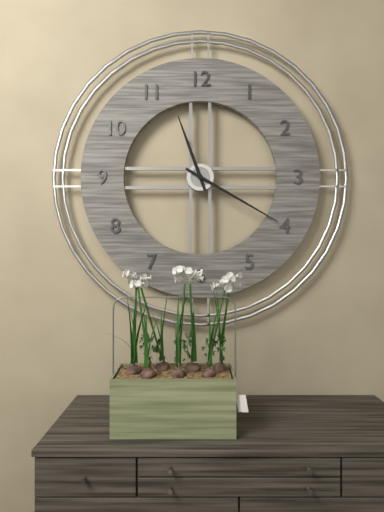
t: 11:20
